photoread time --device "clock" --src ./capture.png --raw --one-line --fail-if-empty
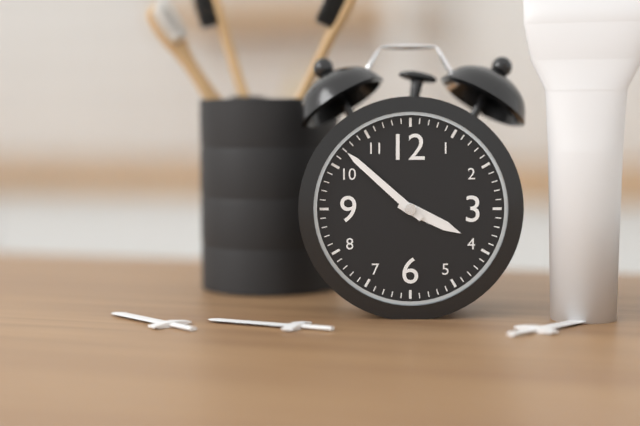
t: 3:52
